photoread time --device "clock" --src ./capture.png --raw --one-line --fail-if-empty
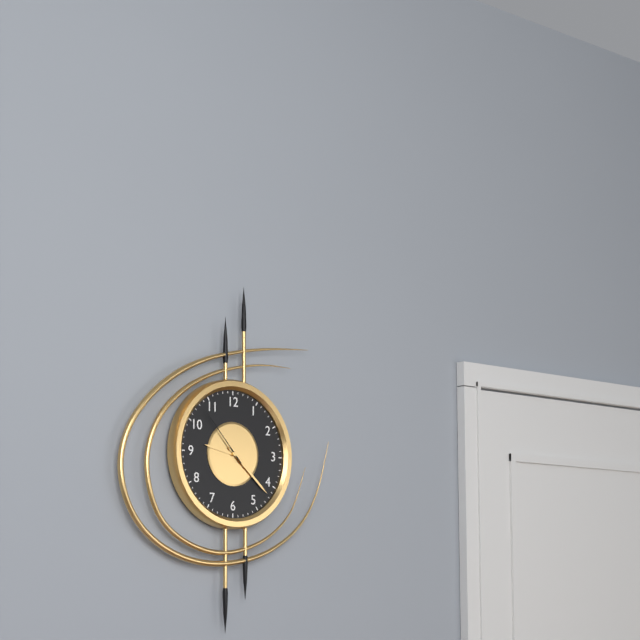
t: 9:22:53
